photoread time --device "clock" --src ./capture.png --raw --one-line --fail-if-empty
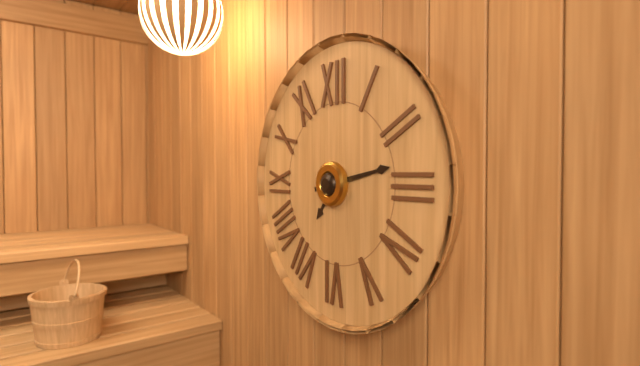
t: 7:13
